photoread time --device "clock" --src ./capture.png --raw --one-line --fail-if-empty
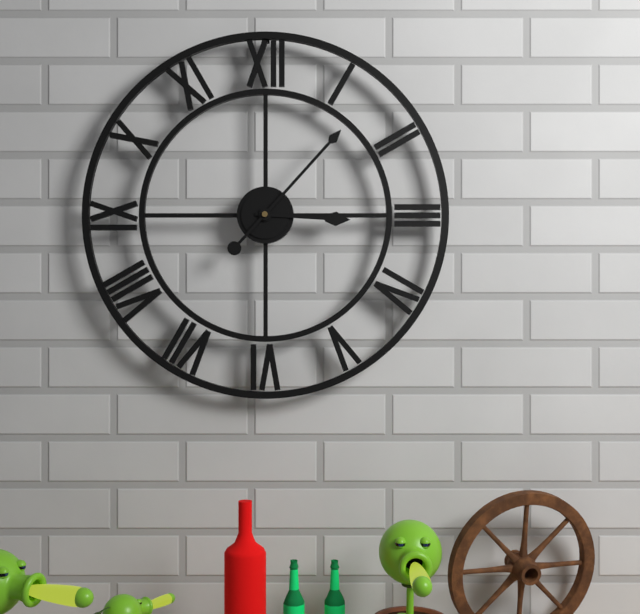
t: 3:07
